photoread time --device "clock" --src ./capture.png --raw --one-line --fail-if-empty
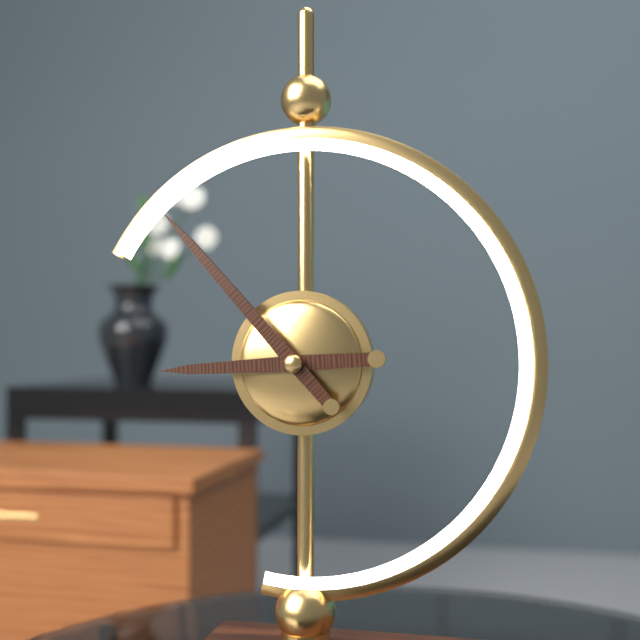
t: 8:53
